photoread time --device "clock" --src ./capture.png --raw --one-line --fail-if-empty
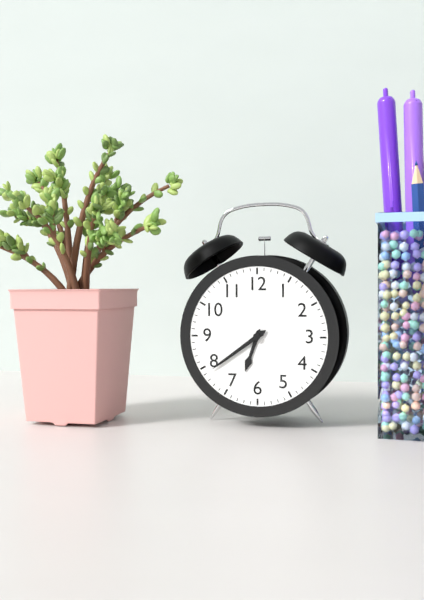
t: 6:39
